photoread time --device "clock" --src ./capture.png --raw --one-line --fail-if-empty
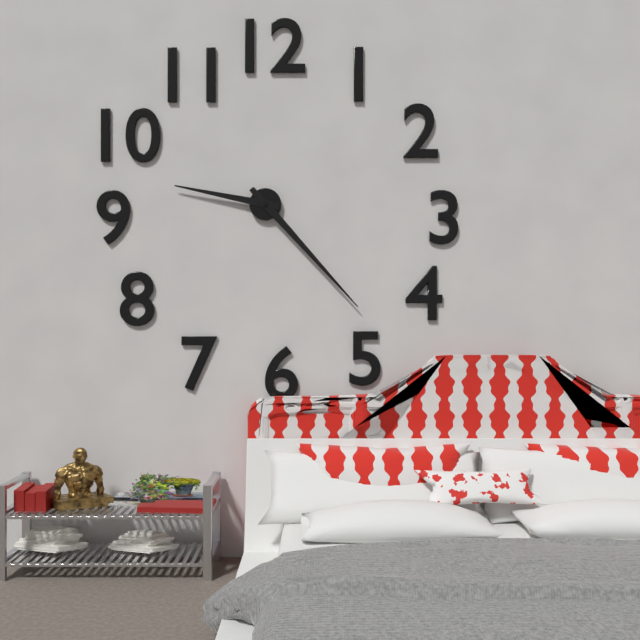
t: 9:23
